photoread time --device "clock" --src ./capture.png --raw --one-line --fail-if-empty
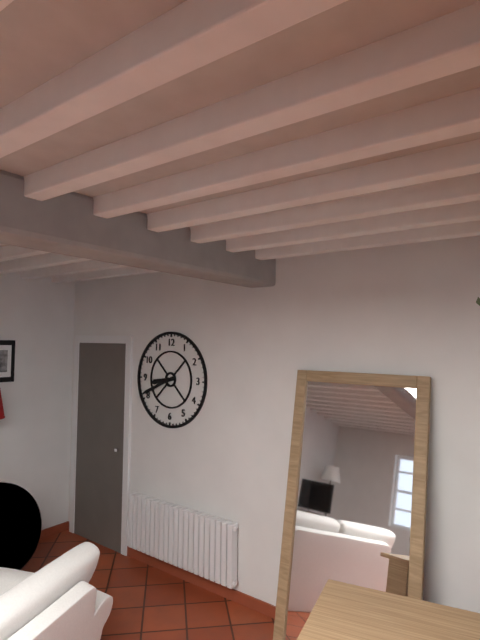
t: 8:41
